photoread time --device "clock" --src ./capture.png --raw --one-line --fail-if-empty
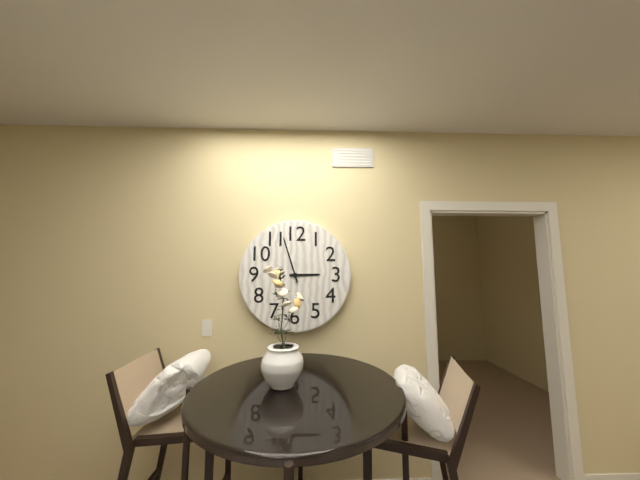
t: 2:57
